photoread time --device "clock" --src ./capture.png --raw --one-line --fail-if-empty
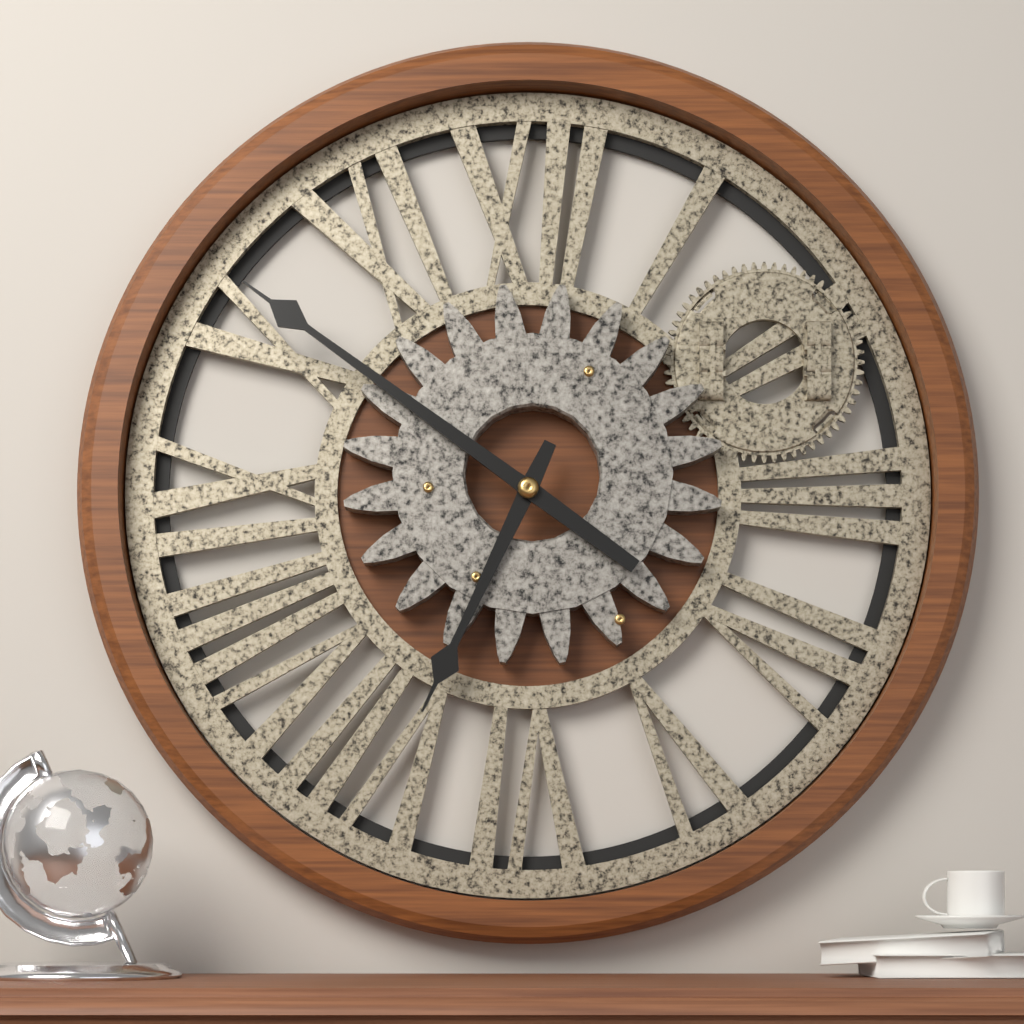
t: 6:51
